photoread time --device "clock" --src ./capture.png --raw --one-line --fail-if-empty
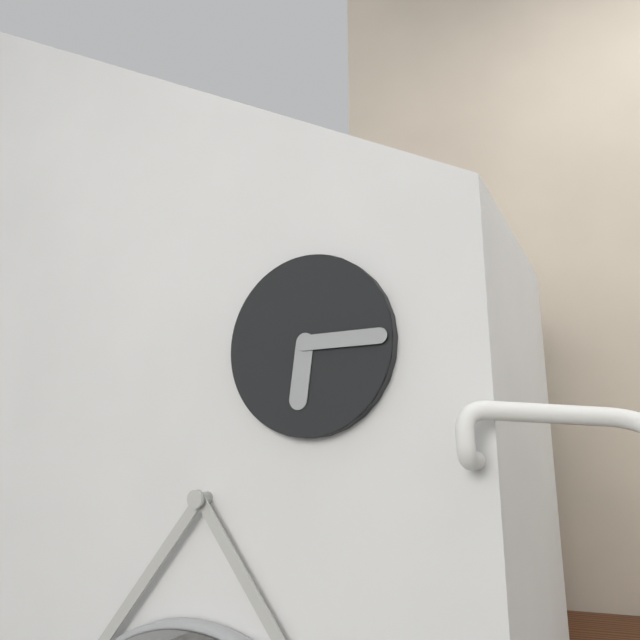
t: 6:15
